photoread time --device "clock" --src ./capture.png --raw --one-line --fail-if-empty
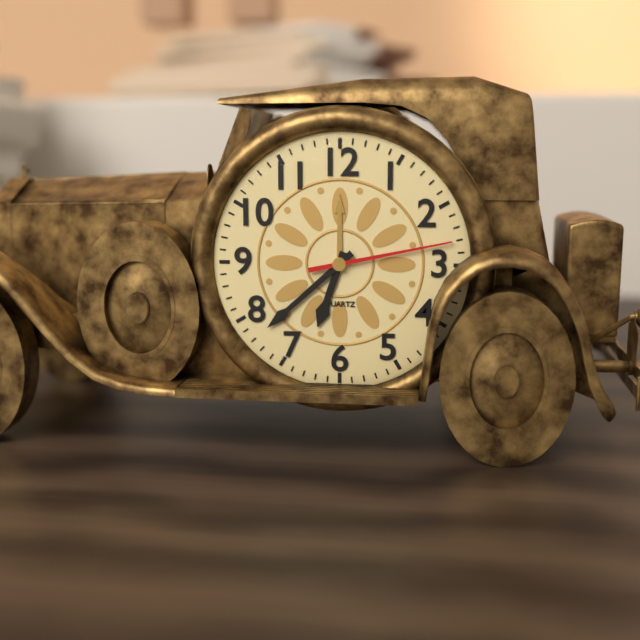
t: 6:38:13
